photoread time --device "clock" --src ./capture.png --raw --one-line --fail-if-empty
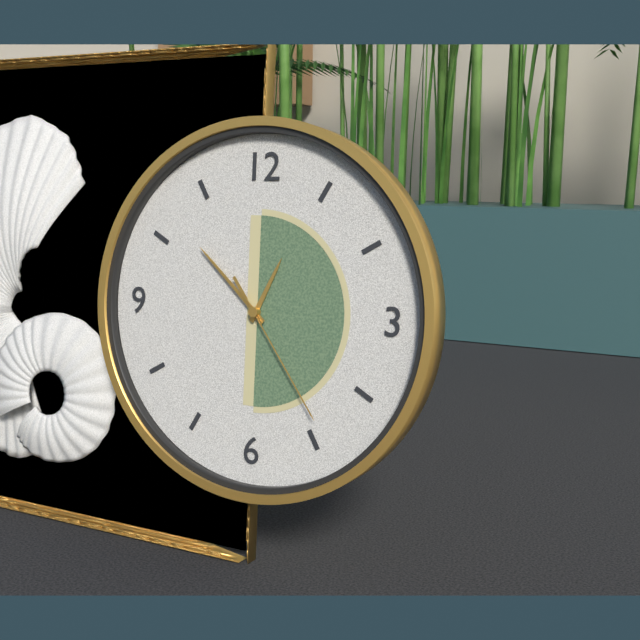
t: 12:52:24
